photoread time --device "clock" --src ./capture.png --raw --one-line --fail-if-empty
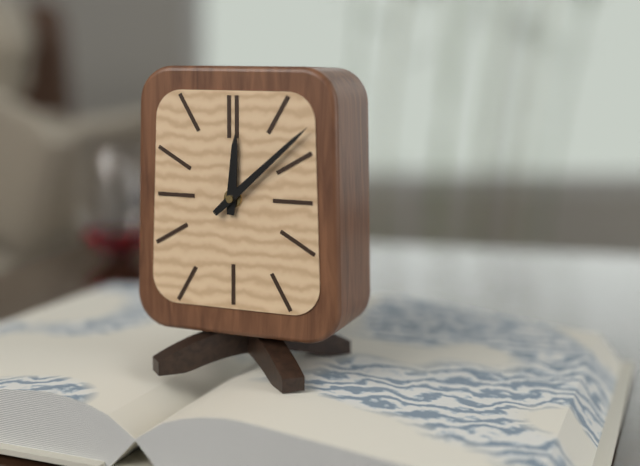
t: 12:08
